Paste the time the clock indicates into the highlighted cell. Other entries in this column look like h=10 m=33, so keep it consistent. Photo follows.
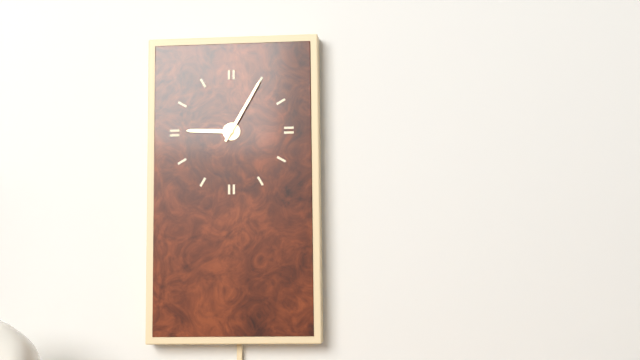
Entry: h=9 m=5
